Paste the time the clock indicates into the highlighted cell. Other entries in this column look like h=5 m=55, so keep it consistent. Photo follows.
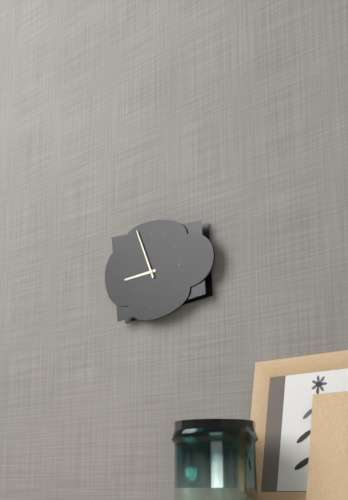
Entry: h=8 m=56
